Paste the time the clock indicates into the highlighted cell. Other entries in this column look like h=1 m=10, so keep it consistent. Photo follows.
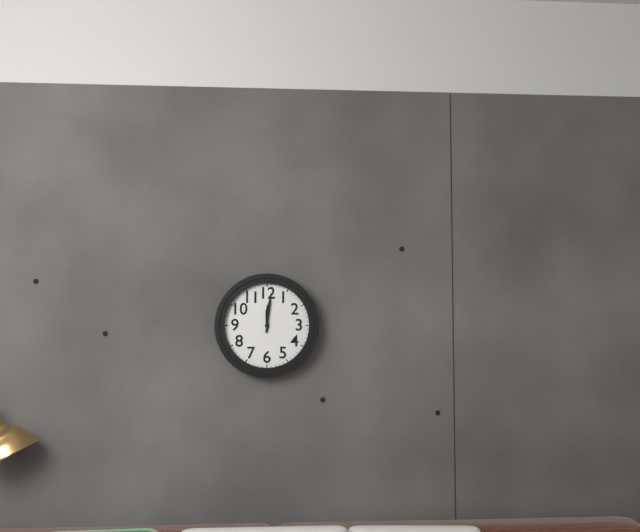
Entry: h=12 m=1
